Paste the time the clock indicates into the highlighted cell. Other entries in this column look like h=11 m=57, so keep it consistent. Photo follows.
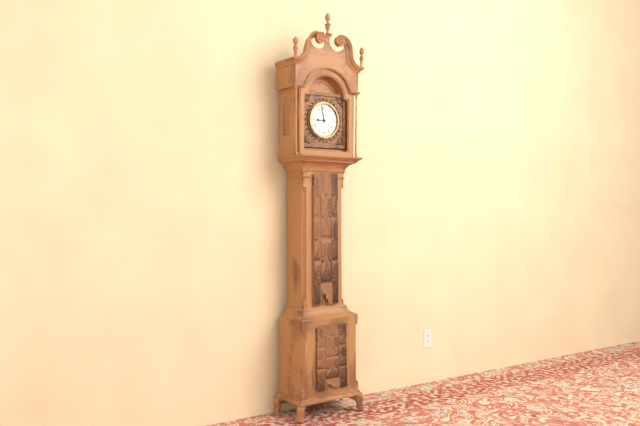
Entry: h=8 m=58
